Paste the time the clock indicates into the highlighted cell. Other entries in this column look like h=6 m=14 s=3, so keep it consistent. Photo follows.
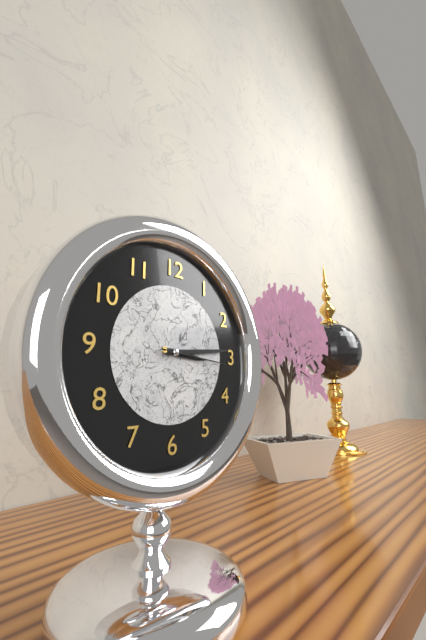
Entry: h=3 m=14 s=16
